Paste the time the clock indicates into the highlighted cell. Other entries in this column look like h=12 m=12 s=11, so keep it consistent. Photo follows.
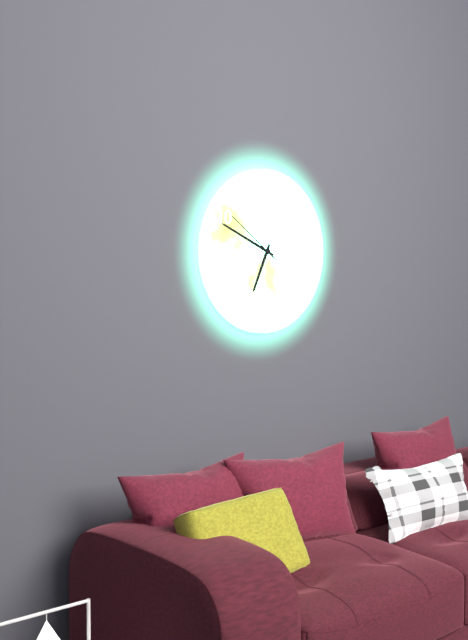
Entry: h=6 m=49 s=51
